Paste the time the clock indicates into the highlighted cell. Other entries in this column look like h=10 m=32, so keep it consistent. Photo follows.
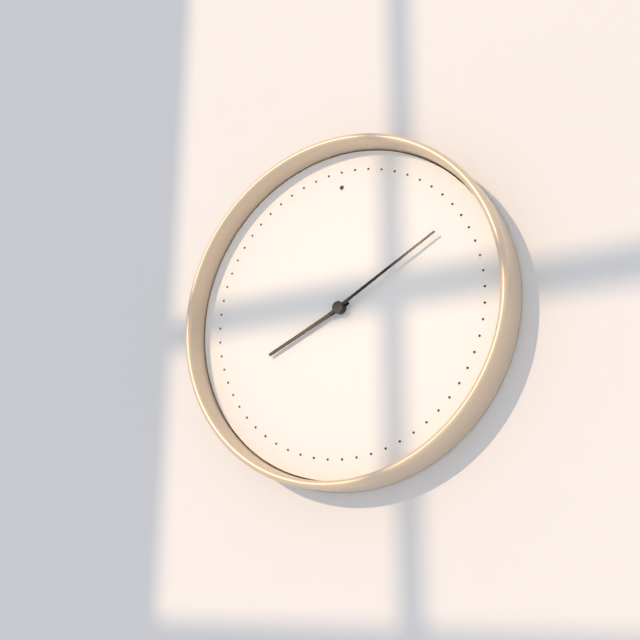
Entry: h=8 m=10
